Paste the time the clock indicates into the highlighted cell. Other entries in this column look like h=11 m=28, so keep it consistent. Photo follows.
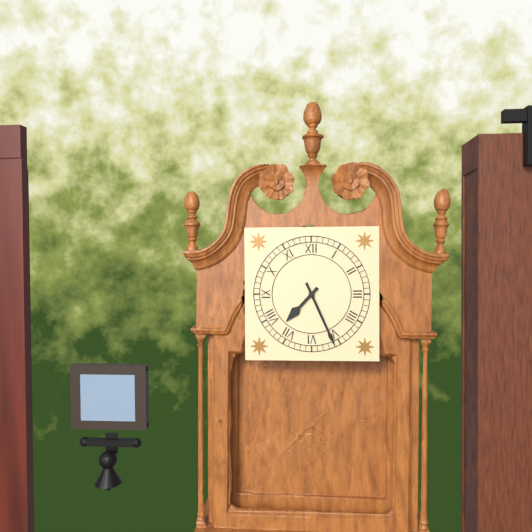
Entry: h=7 m=26
